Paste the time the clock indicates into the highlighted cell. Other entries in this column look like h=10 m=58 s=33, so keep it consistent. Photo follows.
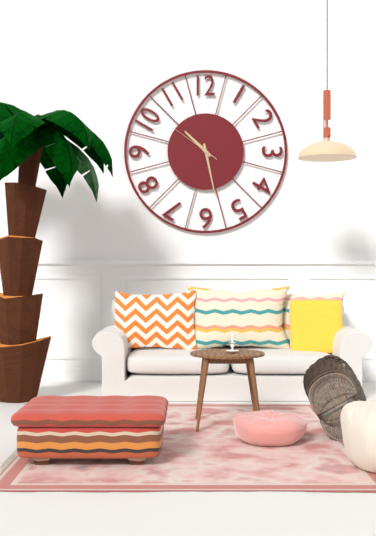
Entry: h=10 m=28 s=51
